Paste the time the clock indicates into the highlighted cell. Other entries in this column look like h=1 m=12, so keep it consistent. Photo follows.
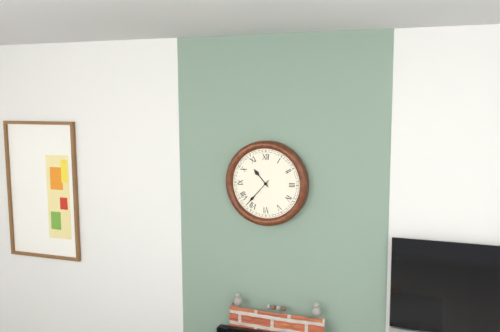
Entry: h=10 m=37
